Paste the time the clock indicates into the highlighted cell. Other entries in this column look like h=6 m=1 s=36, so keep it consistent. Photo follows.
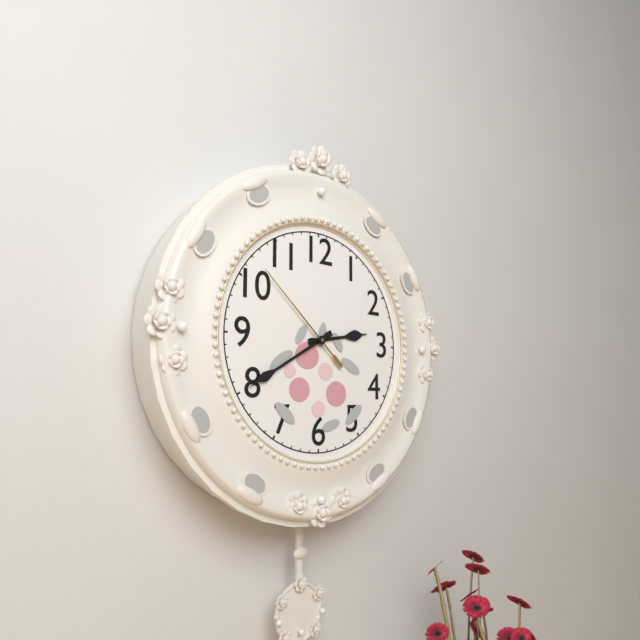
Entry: h=2 m=40 s=52
